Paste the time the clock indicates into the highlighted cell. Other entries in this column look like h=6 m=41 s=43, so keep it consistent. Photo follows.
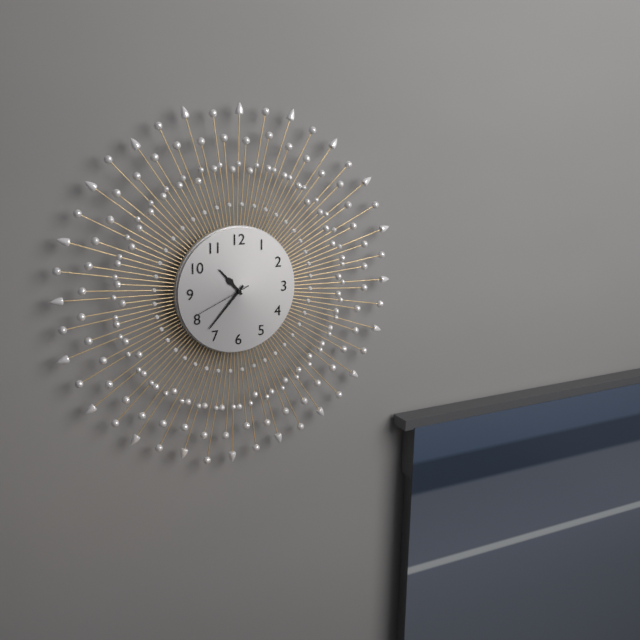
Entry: h=10 m=37 s=41
